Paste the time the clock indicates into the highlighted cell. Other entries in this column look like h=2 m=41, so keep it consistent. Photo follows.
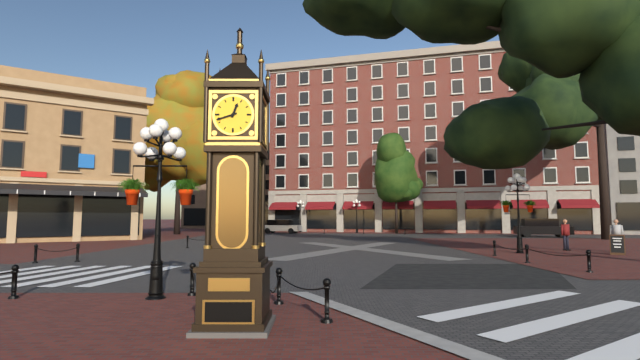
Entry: h=12 m=42
